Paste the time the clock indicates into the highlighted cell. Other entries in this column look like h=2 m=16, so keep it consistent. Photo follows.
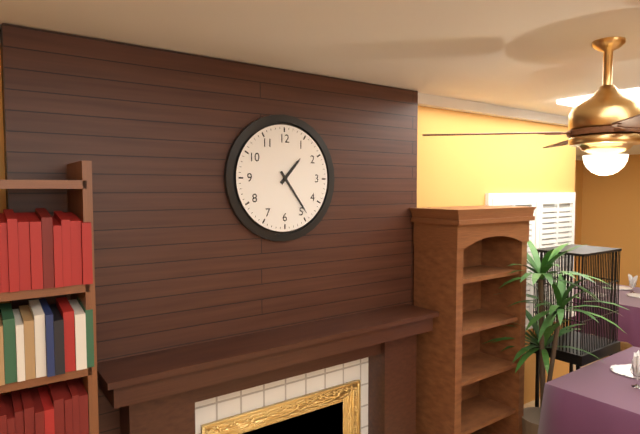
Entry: h=1 m=24
